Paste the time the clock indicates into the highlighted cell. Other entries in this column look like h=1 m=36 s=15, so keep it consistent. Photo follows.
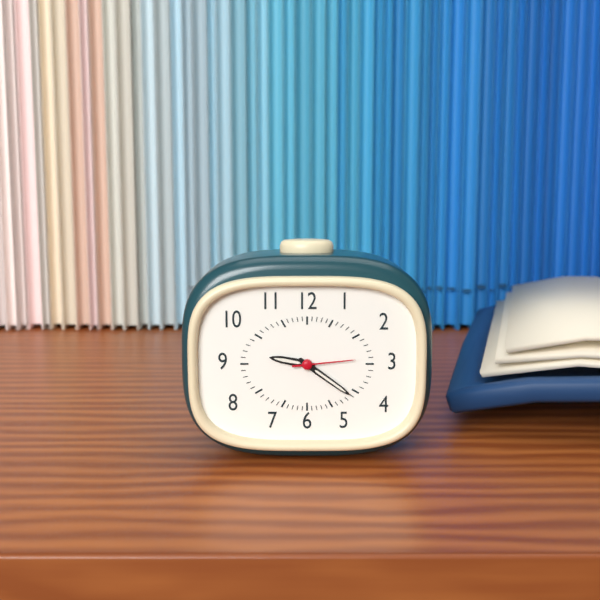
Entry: h=9 m=21 s=14
